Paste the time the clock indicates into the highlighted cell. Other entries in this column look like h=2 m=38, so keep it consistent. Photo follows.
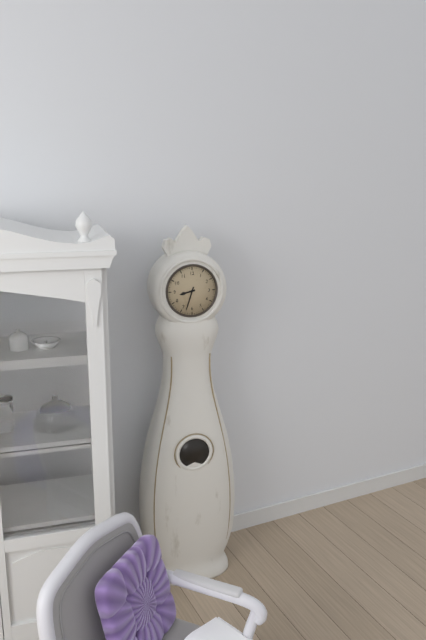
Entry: h=8 m=33
